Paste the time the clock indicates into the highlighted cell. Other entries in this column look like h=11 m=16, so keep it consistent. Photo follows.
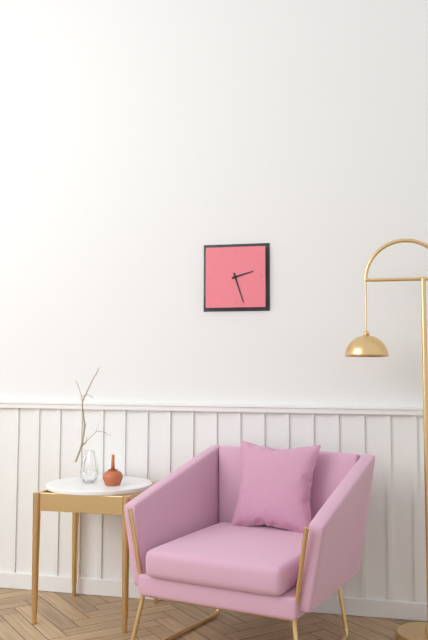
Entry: h=2 m=27
